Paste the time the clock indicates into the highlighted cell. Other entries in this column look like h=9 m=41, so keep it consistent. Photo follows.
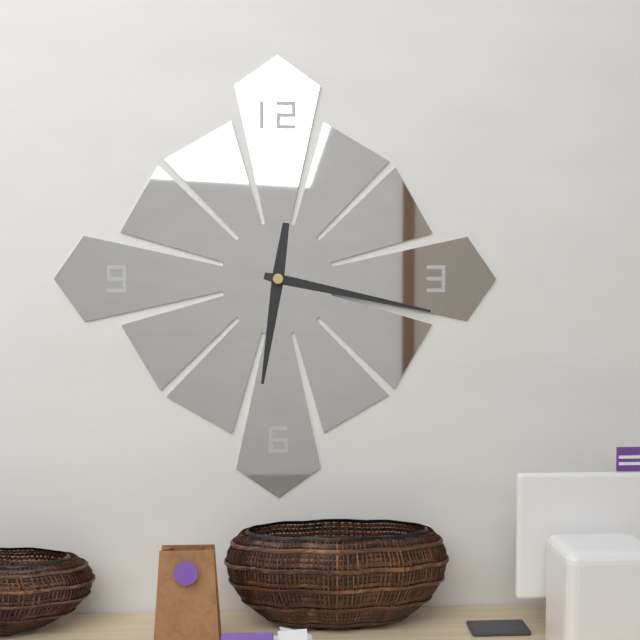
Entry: h=6 m=17
